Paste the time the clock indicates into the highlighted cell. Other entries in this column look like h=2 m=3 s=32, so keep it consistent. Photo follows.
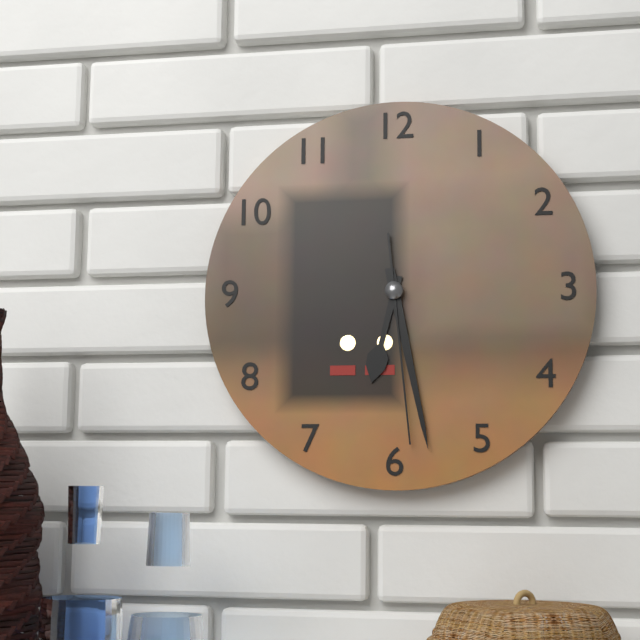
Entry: h=6 m=28 s=29
